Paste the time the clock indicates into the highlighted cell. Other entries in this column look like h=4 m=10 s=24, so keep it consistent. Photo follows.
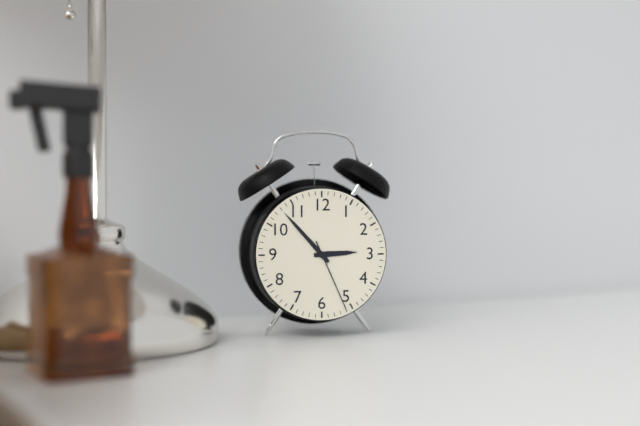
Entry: h=2 m=53 s=26
